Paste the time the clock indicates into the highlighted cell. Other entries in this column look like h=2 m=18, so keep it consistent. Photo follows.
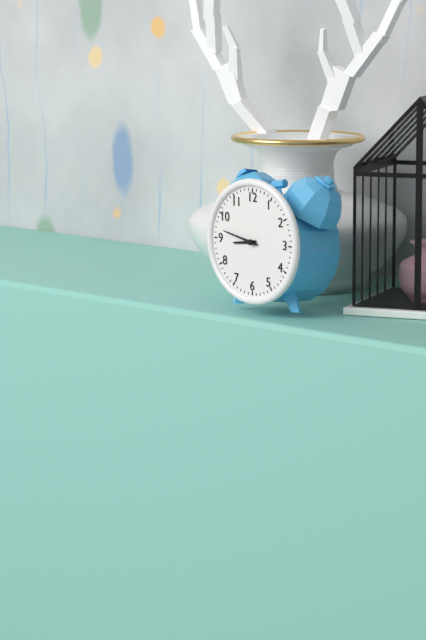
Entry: h=8 m=47
